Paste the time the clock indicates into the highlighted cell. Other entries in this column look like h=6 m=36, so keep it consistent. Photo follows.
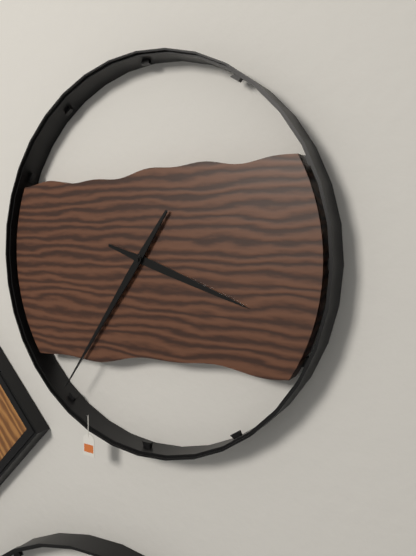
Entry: h=3 m=36
